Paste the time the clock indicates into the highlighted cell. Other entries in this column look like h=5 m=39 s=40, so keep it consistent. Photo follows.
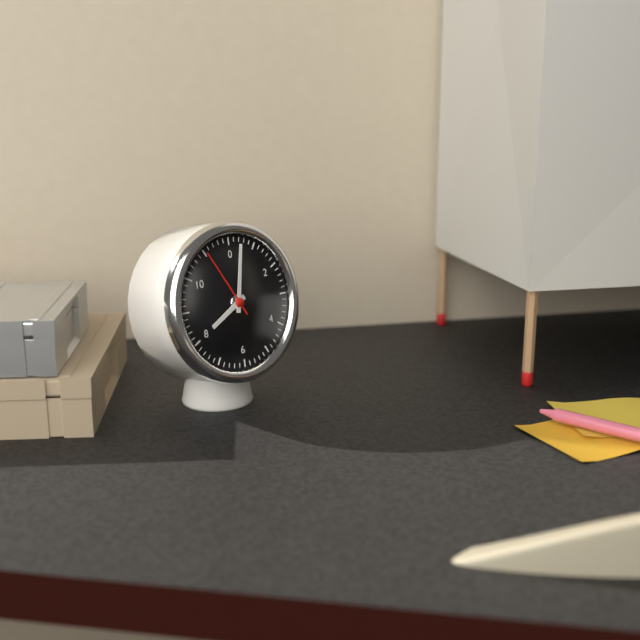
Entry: h=8 m=2 s=55
